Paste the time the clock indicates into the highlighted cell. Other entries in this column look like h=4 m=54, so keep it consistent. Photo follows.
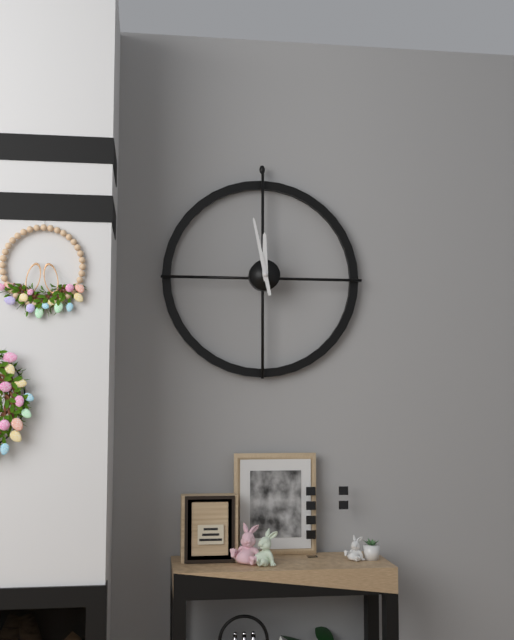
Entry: h=11 m=58
